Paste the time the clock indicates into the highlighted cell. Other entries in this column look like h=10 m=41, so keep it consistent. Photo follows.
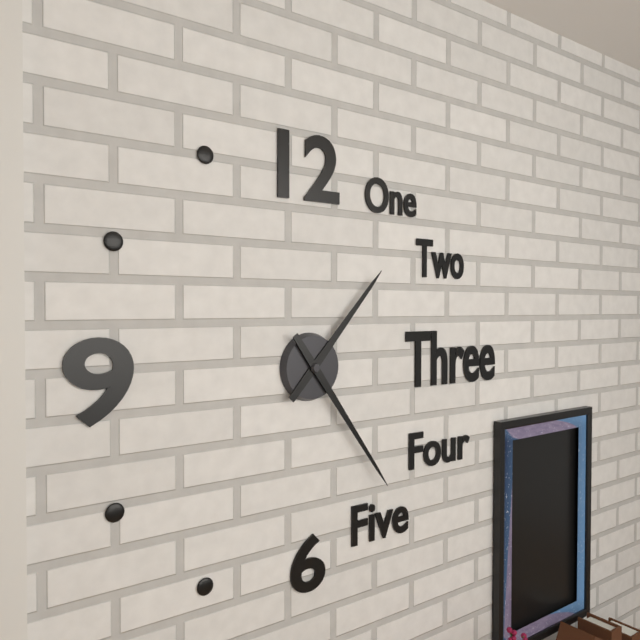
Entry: h=1 m=24
